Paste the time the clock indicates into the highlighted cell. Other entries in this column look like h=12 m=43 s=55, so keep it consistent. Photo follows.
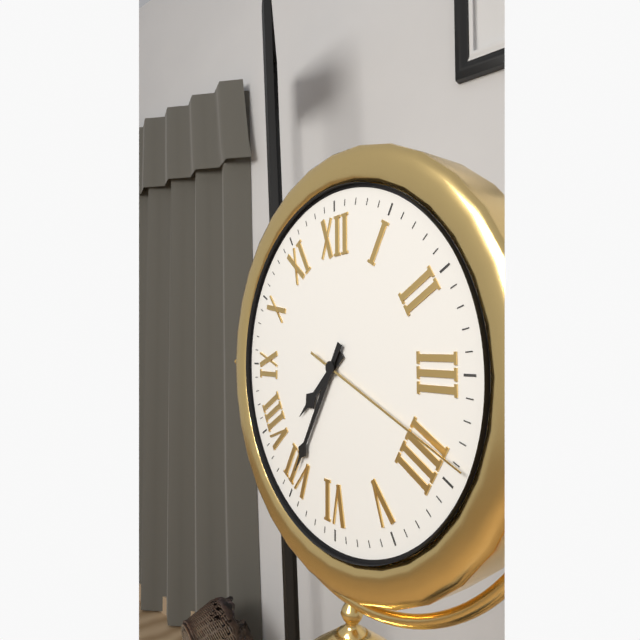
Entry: h=7 m=35 s=19
